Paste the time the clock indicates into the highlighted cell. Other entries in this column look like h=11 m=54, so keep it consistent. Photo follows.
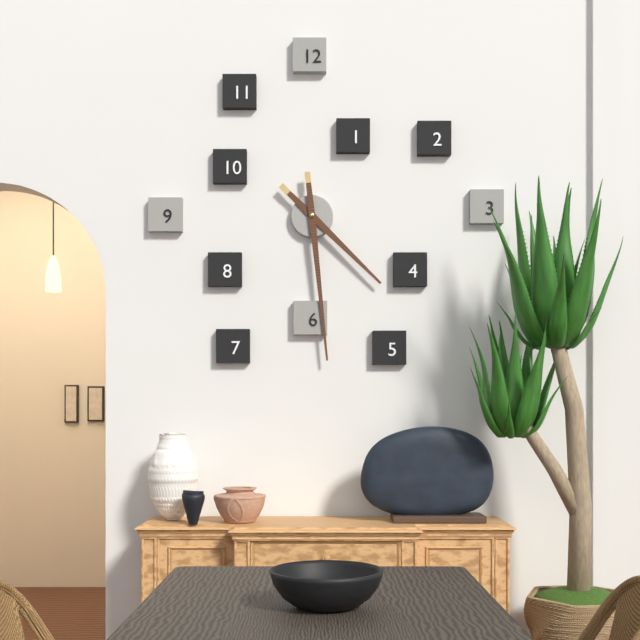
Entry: h=4 m=29
